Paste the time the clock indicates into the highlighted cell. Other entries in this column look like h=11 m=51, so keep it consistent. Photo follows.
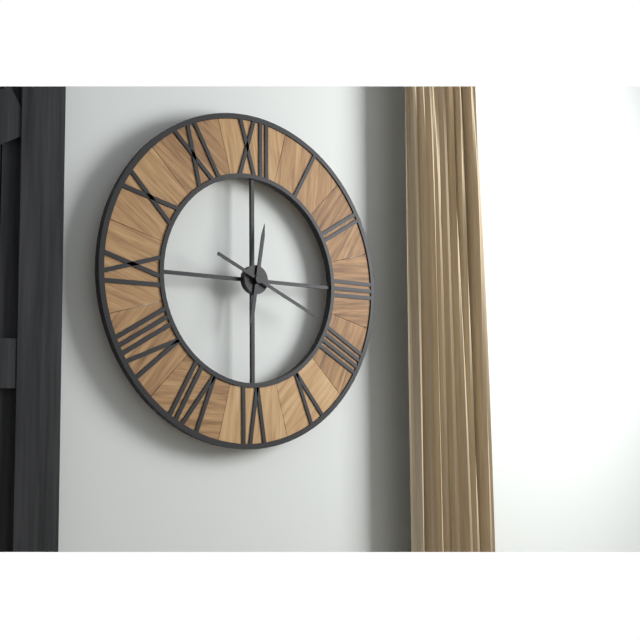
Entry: h=12 m=19
